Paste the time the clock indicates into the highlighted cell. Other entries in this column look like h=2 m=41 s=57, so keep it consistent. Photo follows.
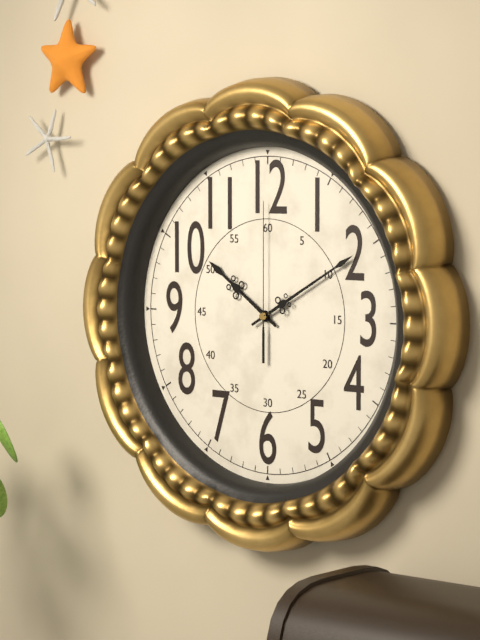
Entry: h=10 m=10 s=0
